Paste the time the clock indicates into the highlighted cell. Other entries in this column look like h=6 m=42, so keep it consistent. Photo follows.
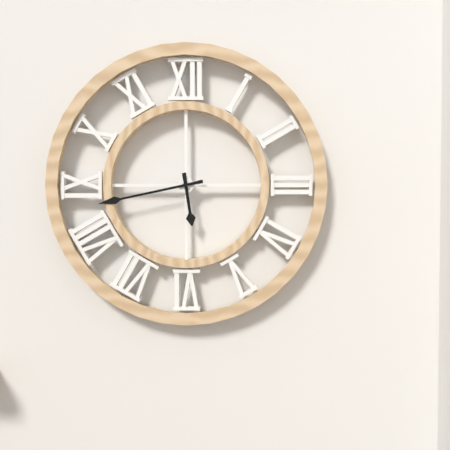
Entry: h=5 m=43
